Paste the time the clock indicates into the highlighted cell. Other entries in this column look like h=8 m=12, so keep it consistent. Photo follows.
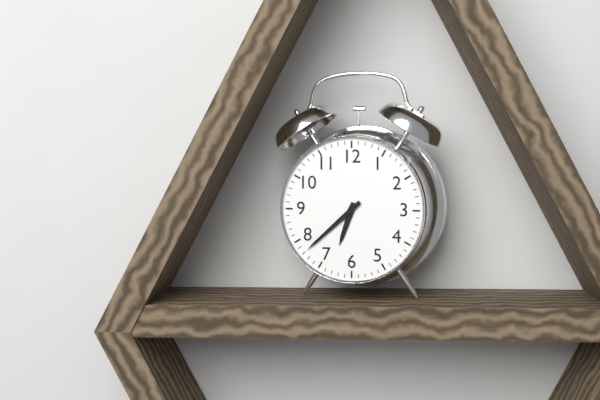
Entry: h=6 m=38
